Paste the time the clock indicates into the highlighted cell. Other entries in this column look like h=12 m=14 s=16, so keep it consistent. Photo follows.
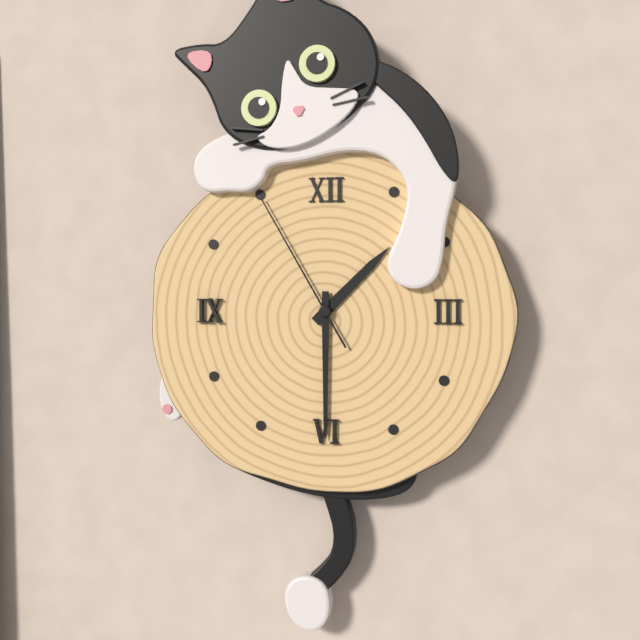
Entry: h=1 m=30 s=55
